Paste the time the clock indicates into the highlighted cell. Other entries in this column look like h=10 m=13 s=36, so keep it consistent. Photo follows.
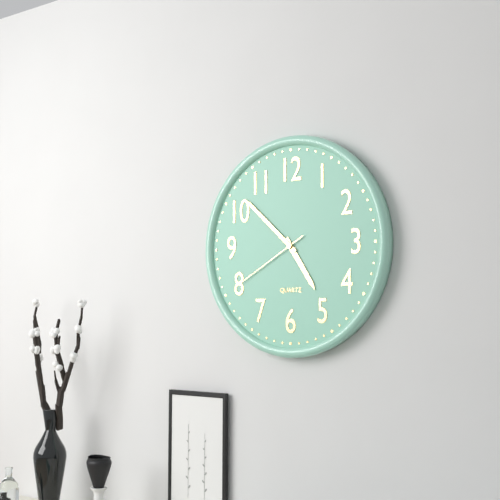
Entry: h=4 m=52 s=40
